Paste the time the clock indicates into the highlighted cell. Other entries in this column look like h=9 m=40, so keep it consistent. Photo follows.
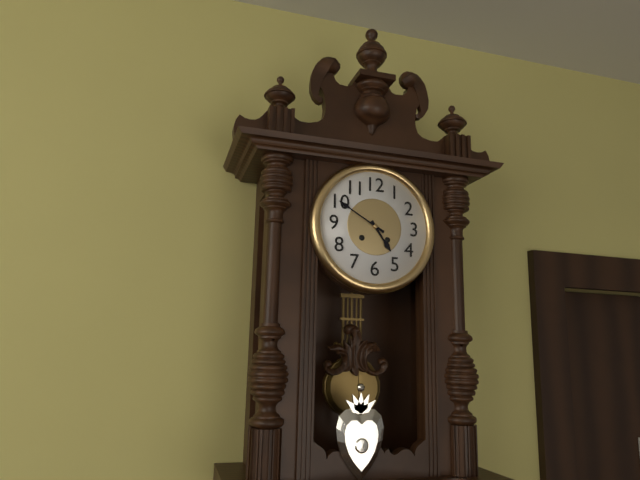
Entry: h=4 m=50
